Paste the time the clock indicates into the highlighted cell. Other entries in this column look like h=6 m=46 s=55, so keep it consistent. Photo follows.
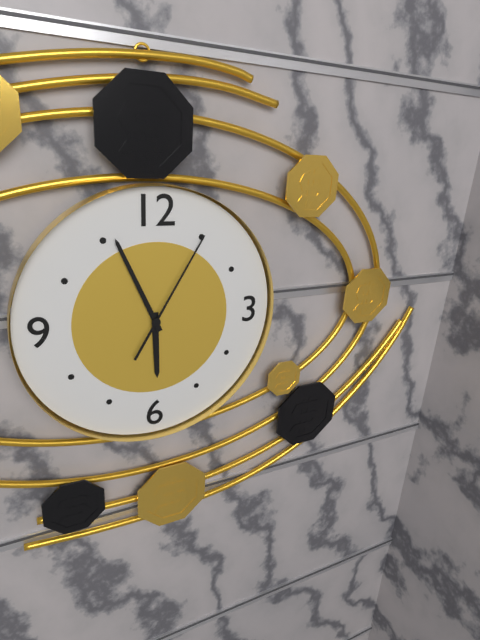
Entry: h=5 m=56 s=5
